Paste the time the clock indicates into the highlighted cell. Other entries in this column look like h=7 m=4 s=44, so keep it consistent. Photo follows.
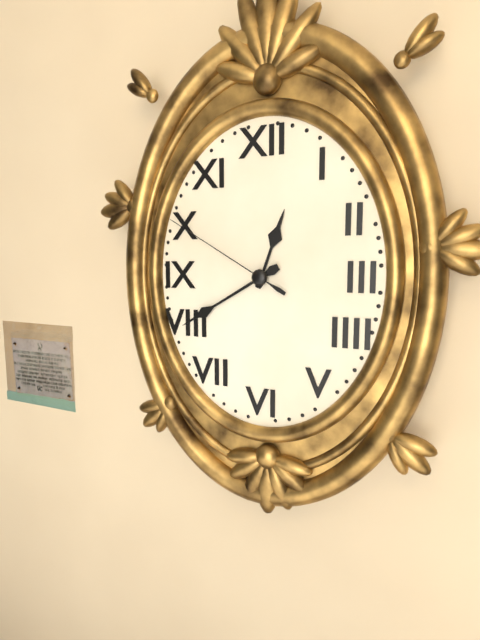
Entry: h=12 m=40 s=50
